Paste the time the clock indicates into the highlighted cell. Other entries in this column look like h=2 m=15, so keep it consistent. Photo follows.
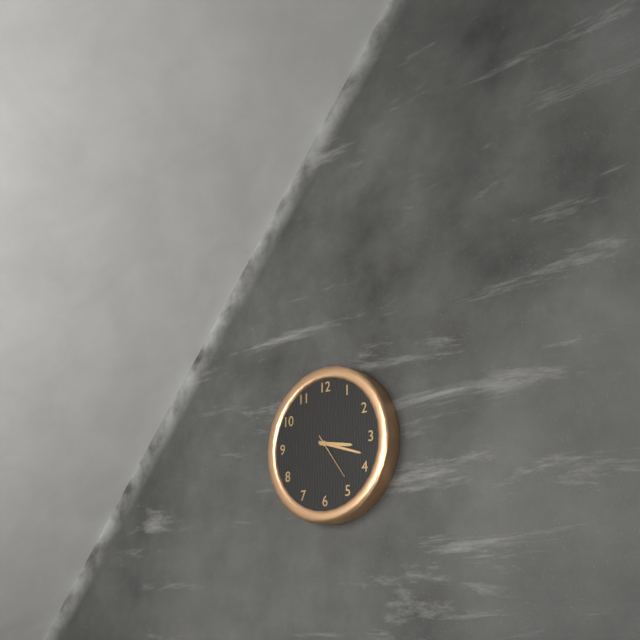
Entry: h=3 m=18
